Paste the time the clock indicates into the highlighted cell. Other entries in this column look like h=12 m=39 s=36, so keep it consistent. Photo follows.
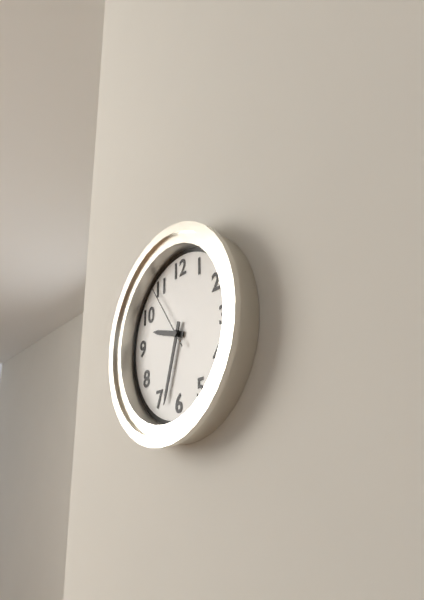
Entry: h=9 m=33 s=54
